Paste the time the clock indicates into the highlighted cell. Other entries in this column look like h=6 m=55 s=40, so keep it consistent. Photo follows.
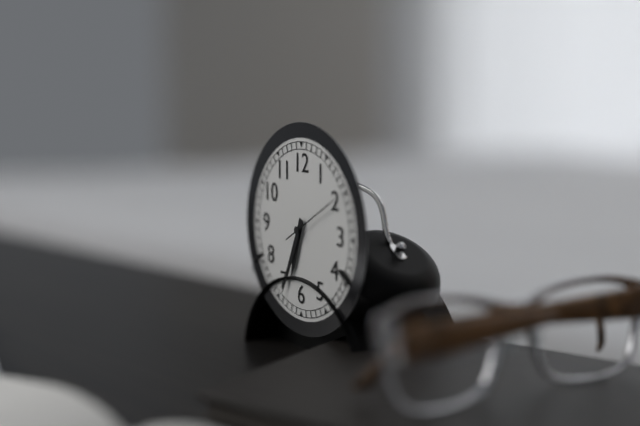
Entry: h=6 m=34 s=10
